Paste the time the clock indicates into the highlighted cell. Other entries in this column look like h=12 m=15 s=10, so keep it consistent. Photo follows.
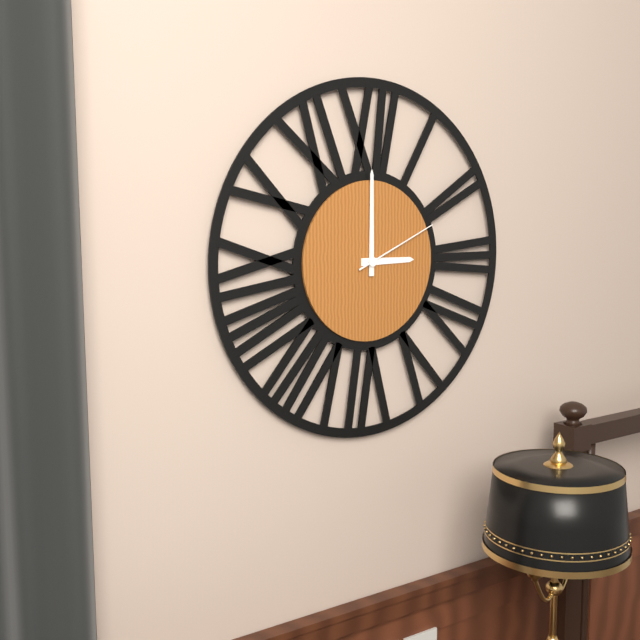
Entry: h=3 m=0 s=11
